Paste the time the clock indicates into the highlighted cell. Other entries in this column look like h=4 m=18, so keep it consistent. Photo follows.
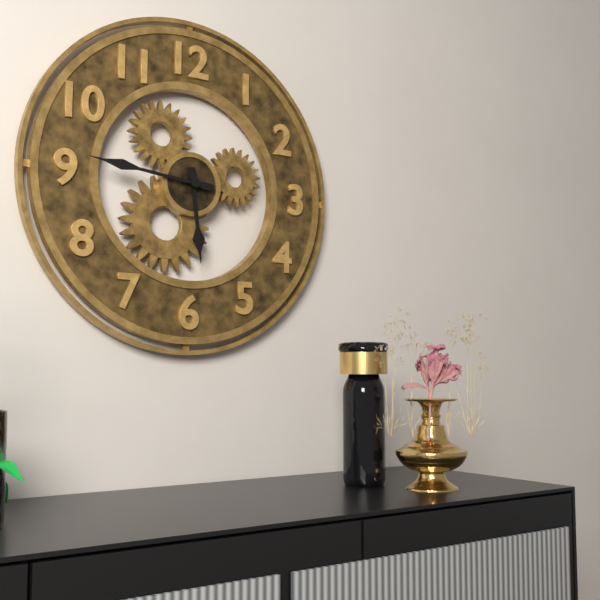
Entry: h=5 m=46
